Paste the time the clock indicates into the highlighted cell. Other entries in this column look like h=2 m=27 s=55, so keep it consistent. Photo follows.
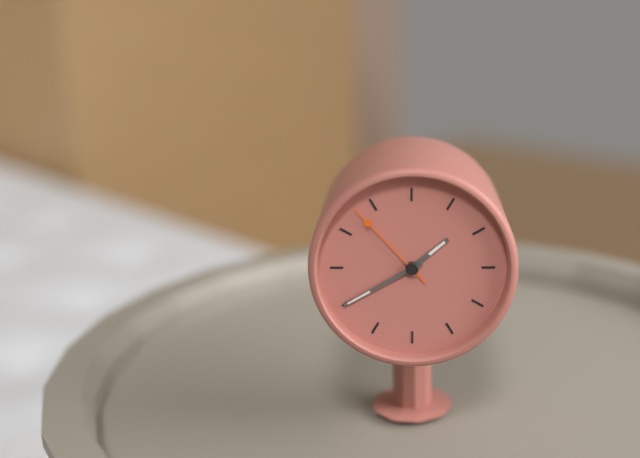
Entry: h=1 m=40 s=53
